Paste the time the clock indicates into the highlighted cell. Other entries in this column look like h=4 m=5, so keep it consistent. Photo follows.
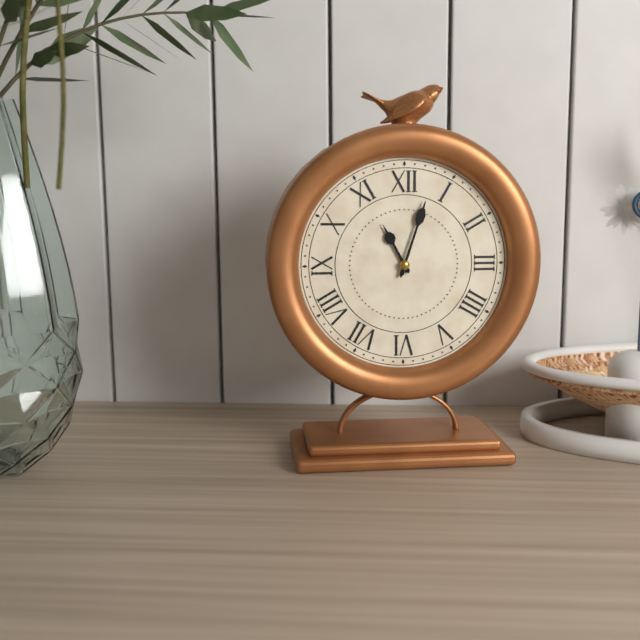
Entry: h=11 m=3
